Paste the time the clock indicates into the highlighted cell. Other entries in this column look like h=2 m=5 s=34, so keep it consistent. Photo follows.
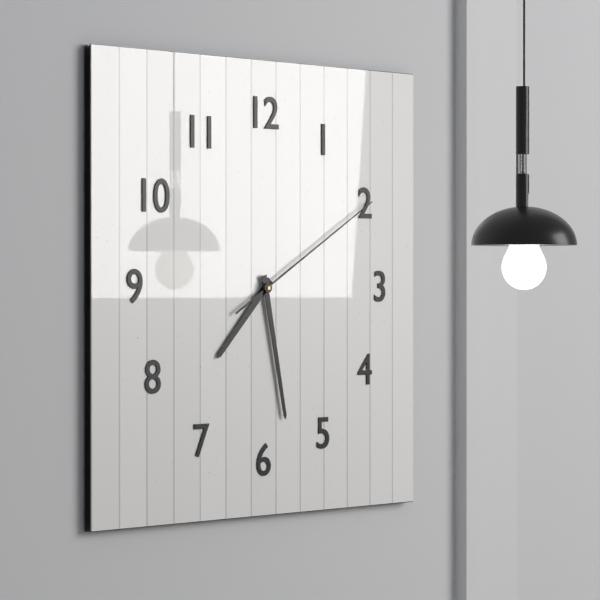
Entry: h=7 m=28 s=10
